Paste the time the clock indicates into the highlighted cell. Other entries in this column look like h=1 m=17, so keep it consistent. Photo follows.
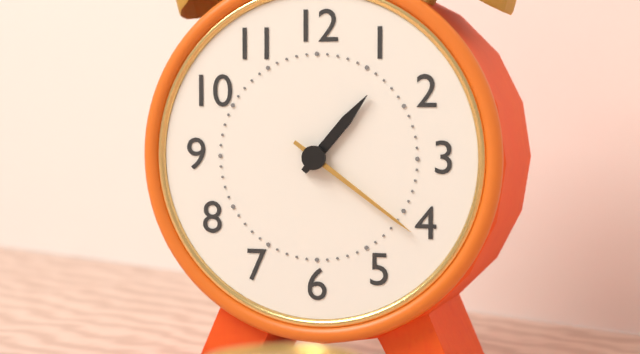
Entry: h=1 m=21
